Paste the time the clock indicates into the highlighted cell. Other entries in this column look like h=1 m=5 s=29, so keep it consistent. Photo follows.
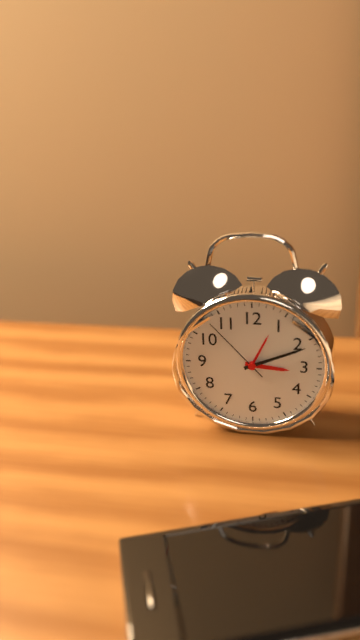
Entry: h=3 m=11 s=53
